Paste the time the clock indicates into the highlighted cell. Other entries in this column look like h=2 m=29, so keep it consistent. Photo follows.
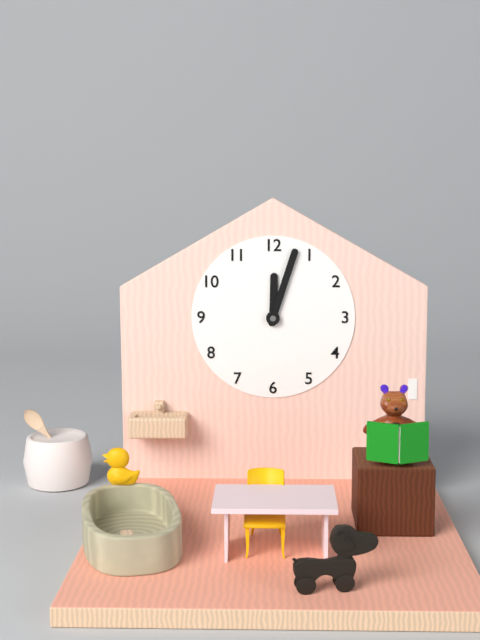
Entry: h=12 m=3
